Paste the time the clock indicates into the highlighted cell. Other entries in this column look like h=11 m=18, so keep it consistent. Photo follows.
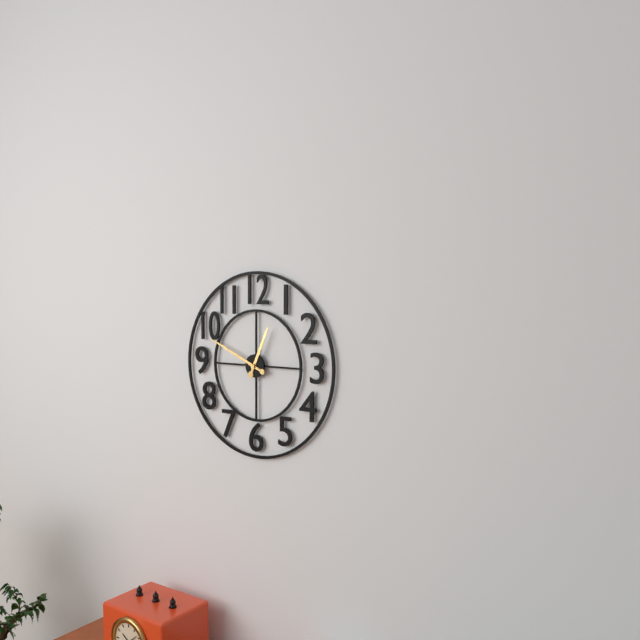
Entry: h=12 m=49
